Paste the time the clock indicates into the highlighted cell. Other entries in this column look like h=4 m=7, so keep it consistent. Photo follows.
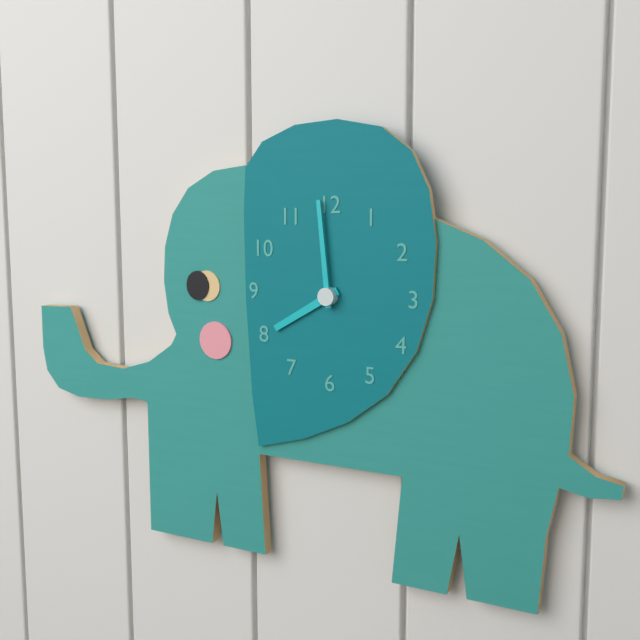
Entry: h=7 m=59
